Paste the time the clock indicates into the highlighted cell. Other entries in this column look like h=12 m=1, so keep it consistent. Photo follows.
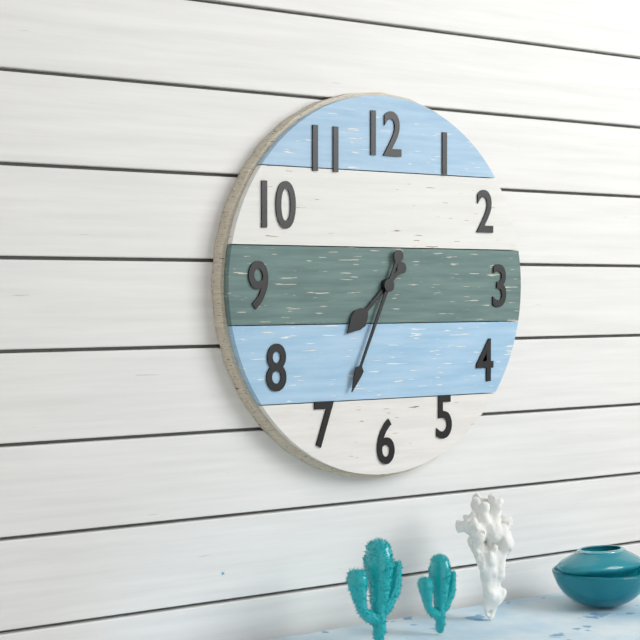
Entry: h=7 m=34
